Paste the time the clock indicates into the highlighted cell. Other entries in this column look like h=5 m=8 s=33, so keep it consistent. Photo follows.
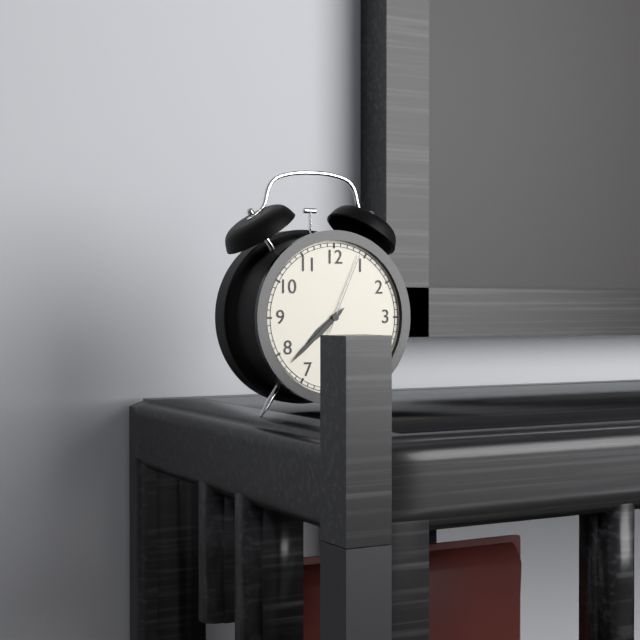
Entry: h=7 m=38 s=4
